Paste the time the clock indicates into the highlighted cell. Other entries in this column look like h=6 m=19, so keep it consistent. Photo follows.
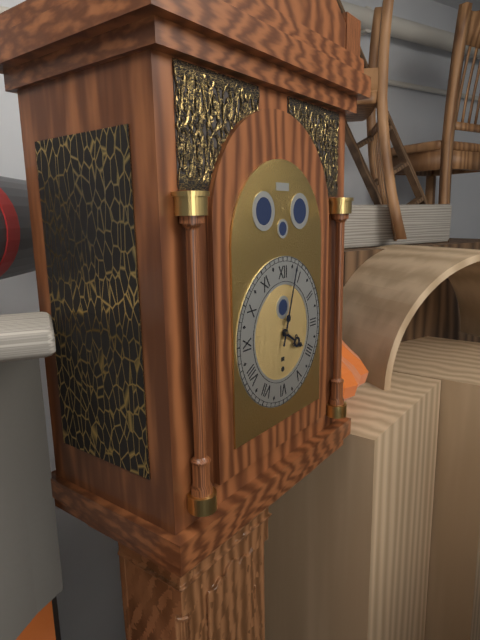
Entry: h=4 m=3
